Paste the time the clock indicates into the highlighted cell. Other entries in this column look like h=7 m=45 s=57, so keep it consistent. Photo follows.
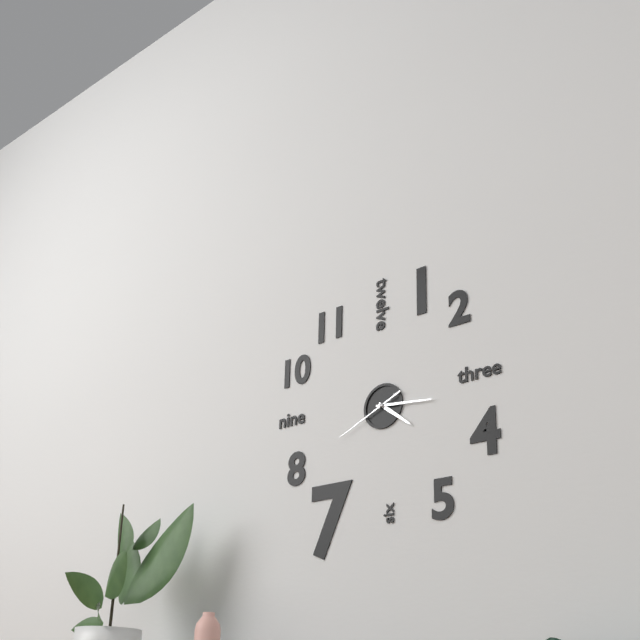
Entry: h=4 m=16 s=41
